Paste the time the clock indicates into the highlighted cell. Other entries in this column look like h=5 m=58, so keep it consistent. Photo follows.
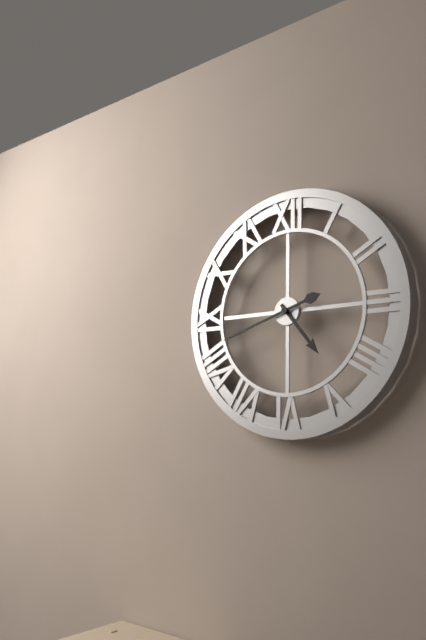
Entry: h=4 m=42
